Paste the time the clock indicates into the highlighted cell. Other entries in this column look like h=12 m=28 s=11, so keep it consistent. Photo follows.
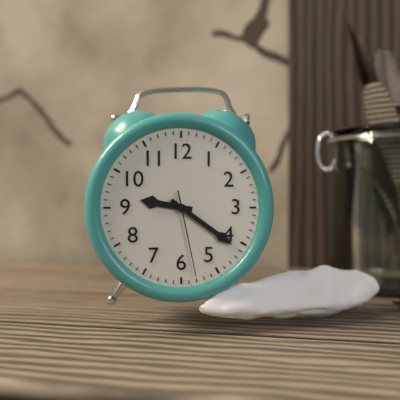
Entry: h=9 m=21 s=28
